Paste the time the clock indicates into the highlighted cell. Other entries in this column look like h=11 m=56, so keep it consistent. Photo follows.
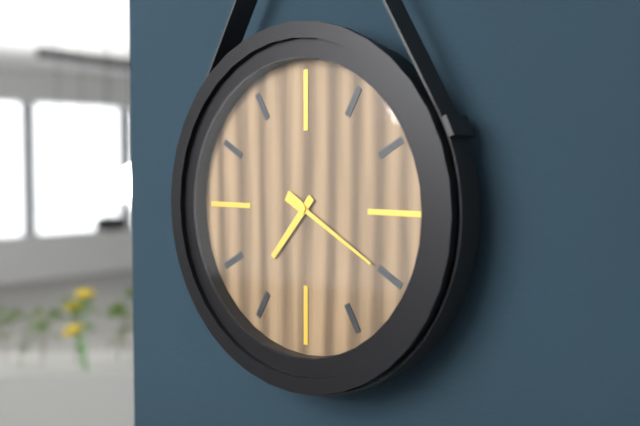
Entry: h=7 m=20
